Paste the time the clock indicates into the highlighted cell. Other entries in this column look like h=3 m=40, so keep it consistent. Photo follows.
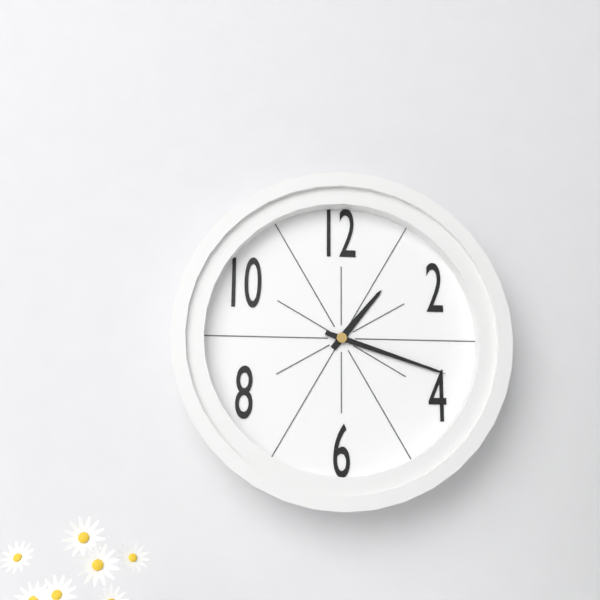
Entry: h=1 m=18
